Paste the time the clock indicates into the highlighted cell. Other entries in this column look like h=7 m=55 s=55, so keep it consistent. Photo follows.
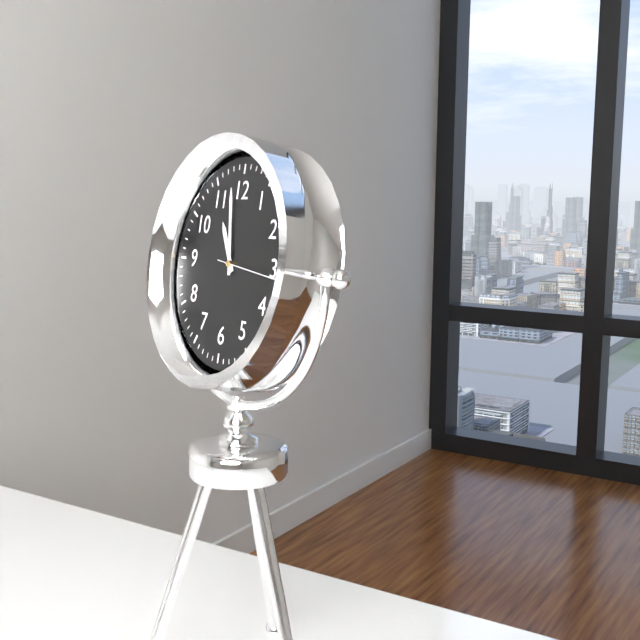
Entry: h=10 m=58 s=16
